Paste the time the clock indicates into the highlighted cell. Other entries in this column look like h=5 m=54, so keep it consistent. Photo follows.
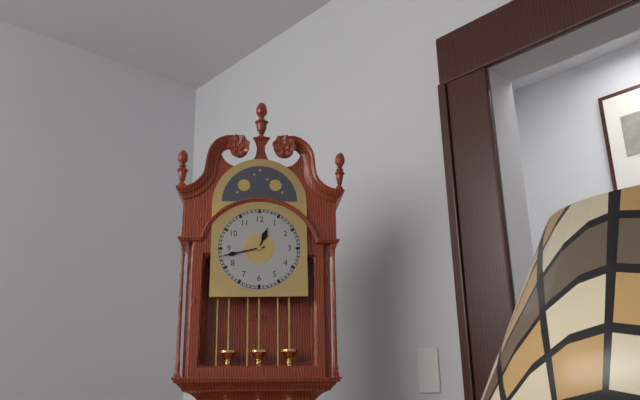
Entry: h=12 m=43
